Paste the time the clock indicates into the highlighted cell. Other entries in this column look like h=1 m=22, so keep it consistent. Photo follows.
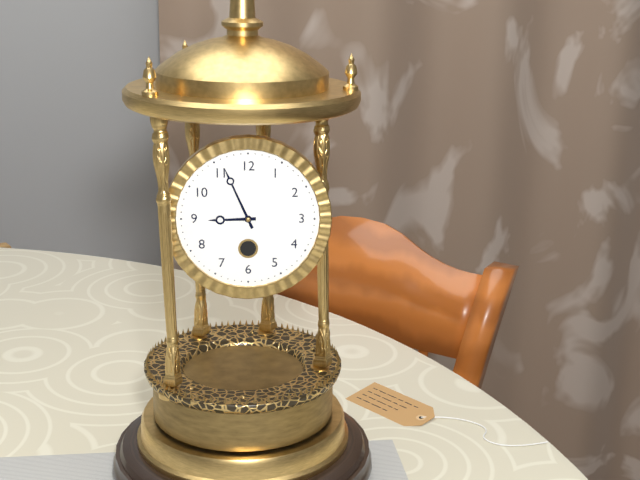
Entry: h=8 m=56
